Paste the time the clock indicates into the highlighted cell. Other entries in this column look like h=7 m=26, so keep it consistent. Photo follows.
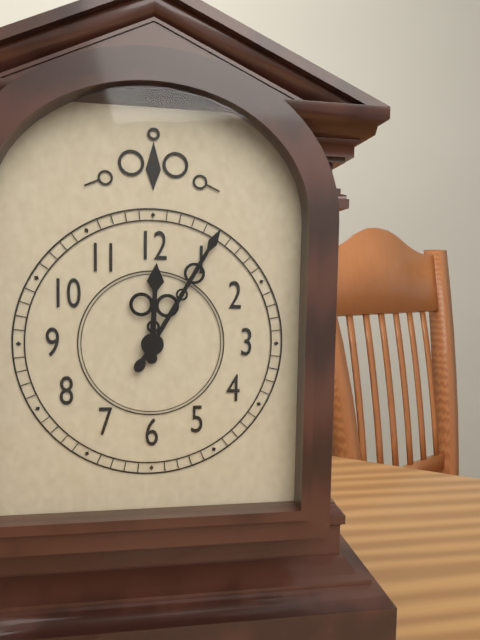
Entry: h=12 m=5
